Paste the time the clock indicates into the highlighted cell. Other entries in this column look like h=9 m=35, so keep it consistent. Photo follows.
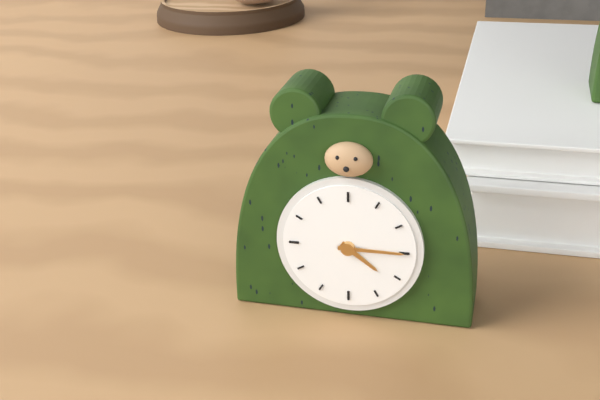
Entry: h=4 m=15
